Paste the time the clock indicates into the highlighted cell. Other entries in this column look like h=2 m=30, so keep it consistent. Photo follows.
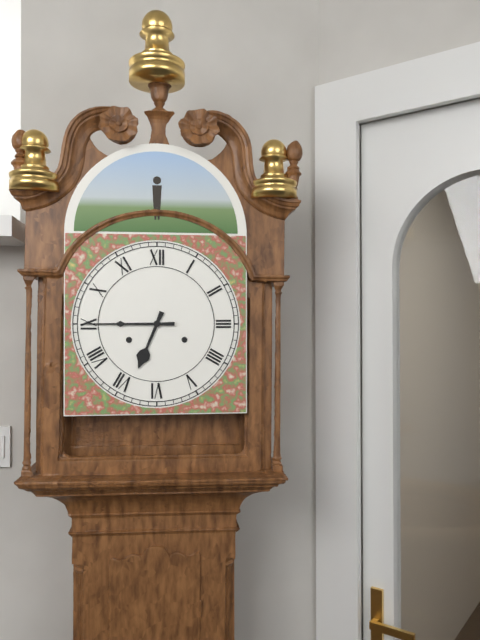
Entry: h=6 m=45
